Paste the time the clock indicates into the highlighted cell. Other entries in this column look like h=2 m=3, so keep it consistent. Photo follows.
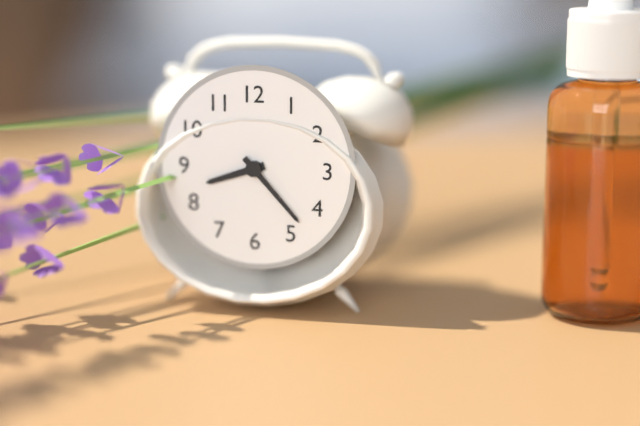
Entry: h=8 m=23
